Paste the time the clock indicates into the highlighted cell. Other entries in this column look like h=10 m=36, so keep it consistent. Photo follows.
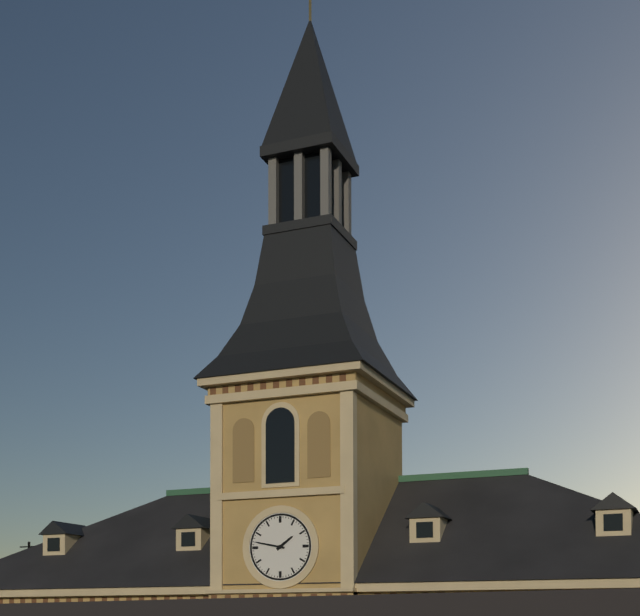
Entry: h=1 m=47
